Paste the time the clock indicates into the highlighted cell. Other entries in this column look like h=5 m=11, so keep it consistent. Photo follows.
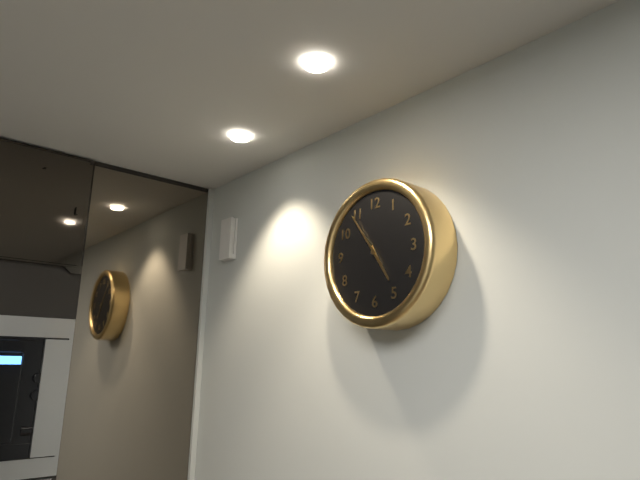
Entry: h=4 m=54
